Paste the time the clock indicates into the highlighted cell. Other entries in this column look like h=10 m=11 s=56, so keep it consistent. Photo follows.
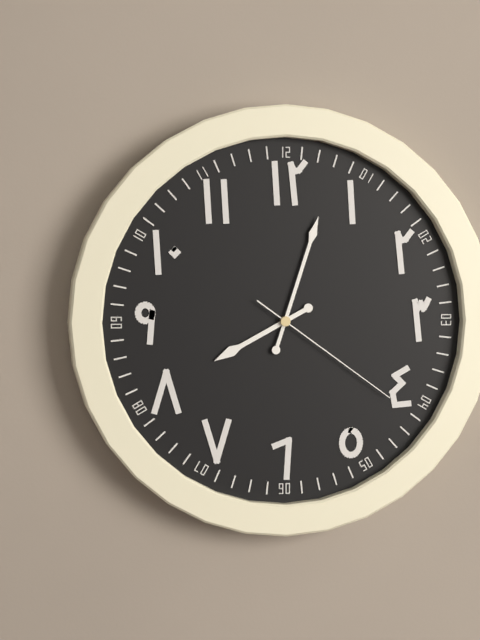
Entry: h=8 m=3 s=21
